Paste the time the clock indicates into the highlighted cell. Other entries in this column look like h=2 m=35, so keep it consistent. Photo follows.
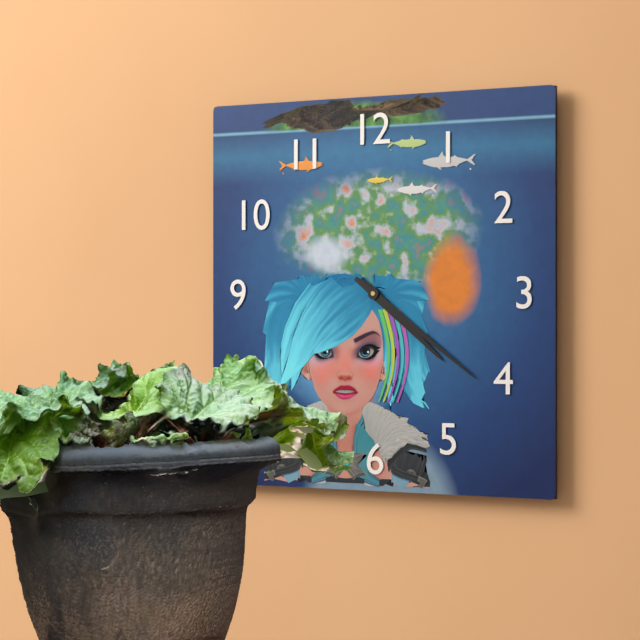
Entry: h=4 m=21
